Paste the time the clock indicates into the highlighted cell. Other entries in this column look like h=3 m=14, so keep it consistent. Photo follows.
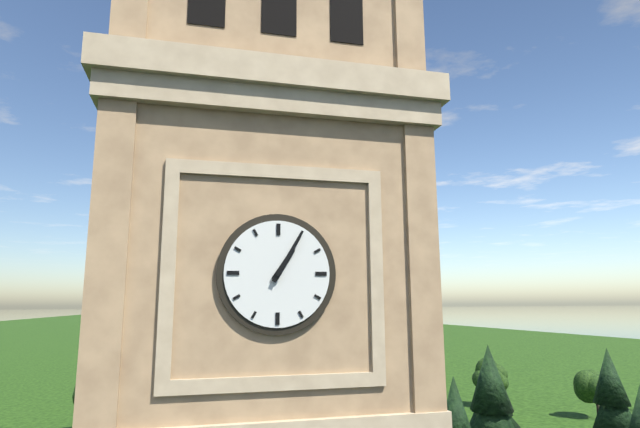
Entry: h=1 m=5
